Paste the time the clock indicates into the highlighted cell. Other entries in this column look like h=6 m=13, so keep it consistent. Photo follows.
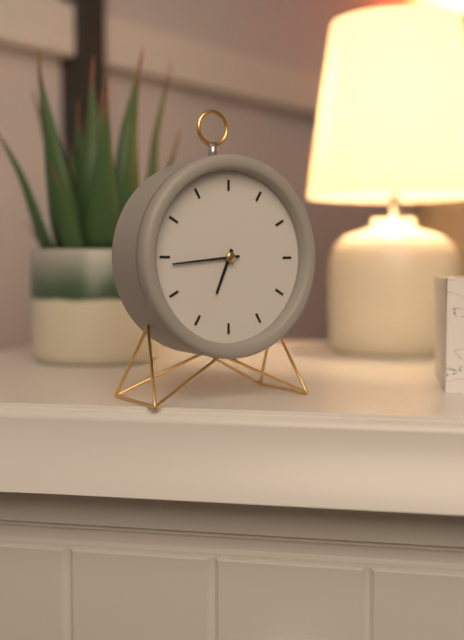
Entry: h=6 m=44
